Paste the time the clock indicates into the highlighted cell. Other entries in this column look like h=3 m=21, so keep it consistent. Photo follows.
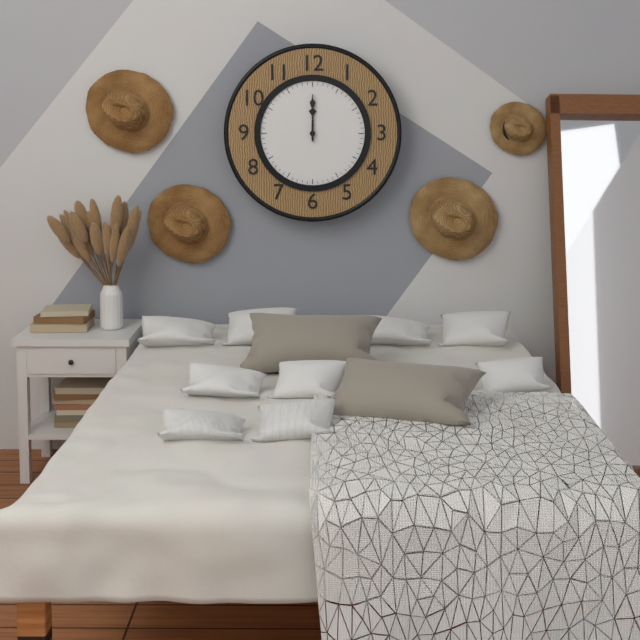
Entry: h=12 m=0
